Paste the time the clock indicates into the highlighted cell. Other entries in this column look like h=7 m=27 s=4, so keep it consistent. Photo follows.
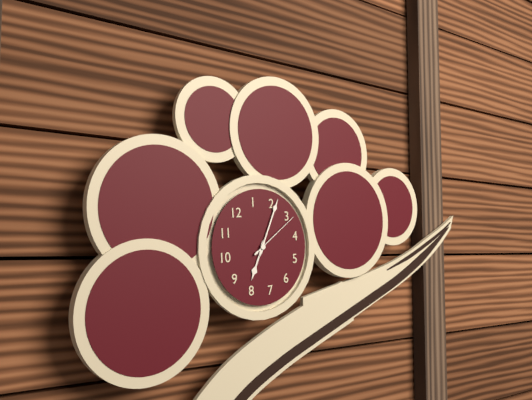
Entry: h=8 m=11 s=16
